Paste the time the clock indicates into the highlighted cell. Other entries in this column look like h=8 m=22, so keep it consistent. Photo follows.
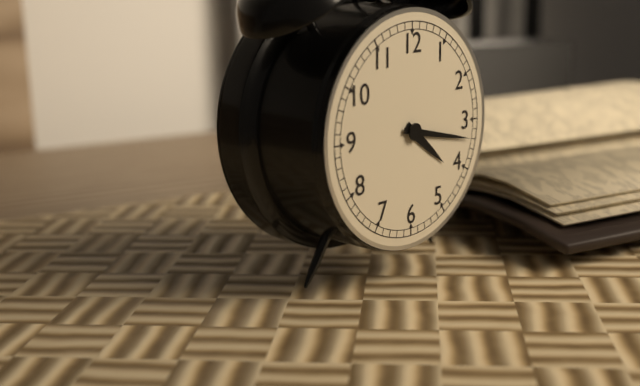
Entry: h=4 m=17
